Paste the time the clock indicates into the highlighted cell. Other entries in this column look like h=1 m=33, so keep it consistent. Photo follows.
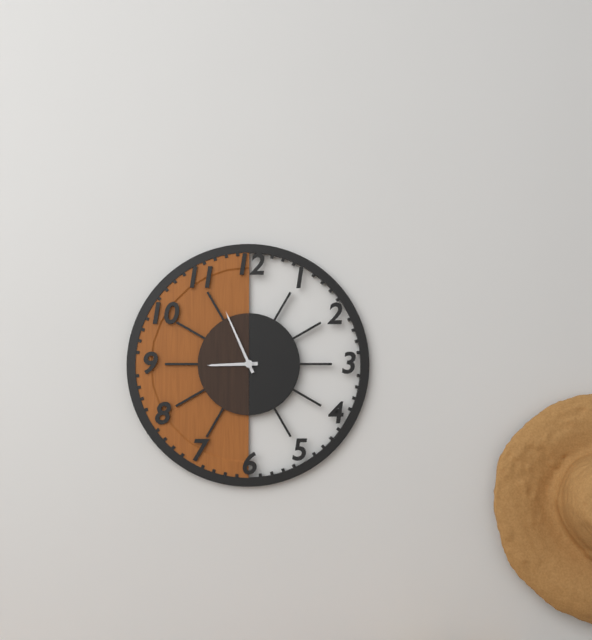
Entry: h=8 m=56
